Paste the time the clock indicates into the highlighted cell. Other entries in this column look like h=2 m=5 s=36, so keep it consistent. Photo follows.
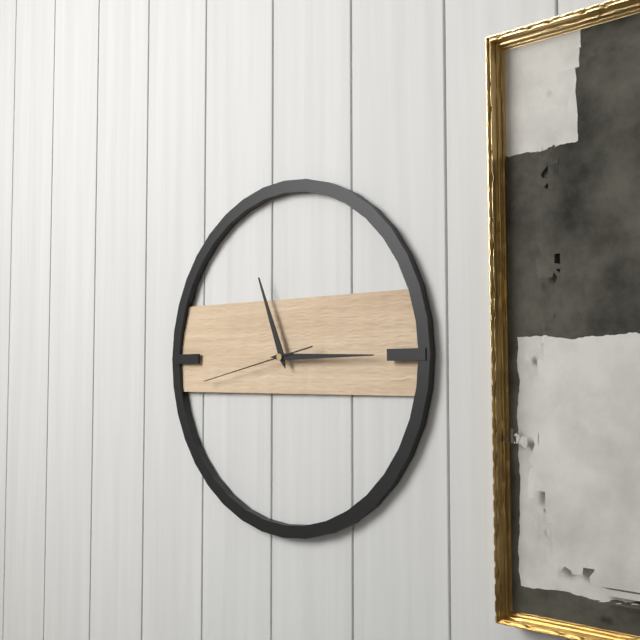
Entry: h=11 m=15 s=43
